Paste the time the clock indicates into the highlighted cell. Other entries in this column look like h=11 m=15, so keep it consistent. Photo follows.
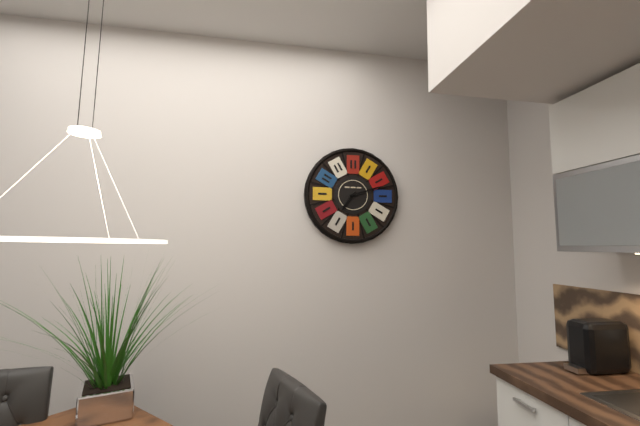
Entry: h=7 m=12
